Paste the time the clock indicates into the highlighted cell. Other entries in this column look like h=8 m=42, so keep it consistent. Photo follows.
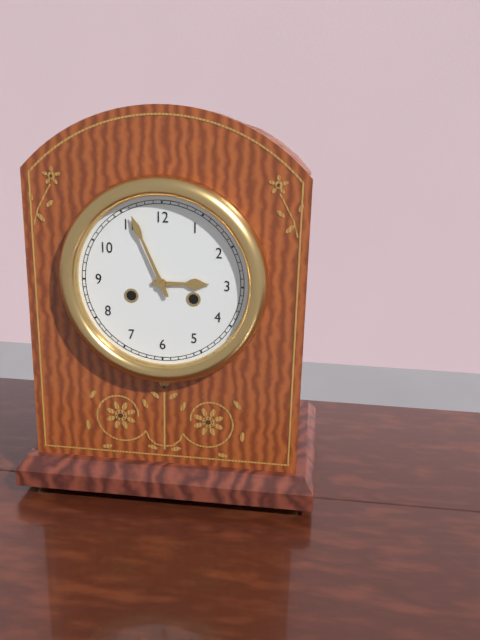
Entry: h=2 m=56
